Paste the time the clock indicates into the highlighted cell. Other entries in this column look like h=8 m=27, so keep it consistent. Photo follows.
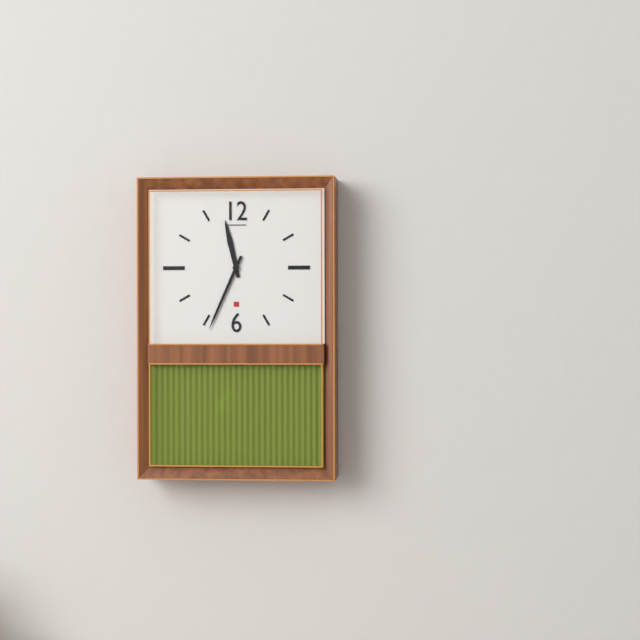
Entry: h=11 m=34
